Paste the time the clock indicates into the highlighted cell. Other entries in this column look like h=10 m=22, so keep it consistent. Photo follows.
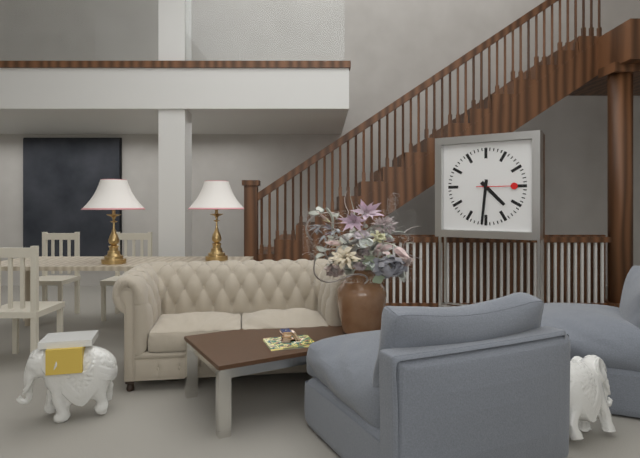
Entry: h=4 m=31
